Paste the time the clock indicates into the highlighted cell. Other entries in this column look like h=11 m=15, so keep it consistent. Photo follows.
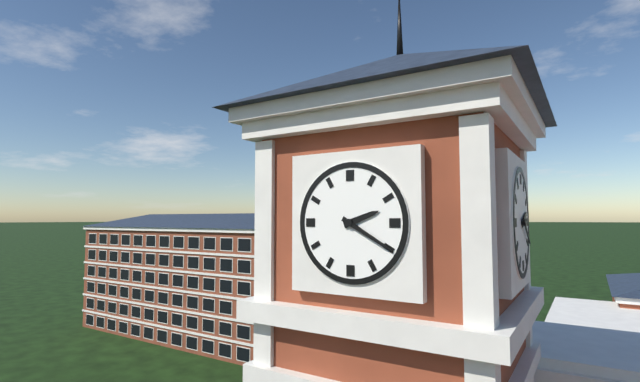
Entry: h=2 m=20
